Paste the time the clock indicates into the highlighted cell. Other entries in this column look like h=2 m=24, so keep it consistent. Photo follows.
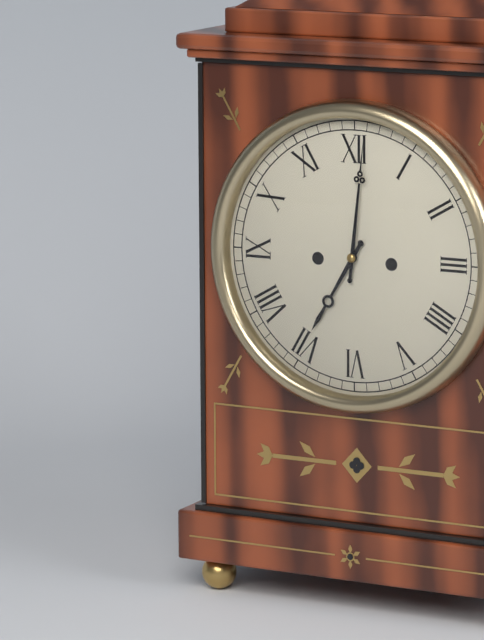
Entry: h=7 m=1
